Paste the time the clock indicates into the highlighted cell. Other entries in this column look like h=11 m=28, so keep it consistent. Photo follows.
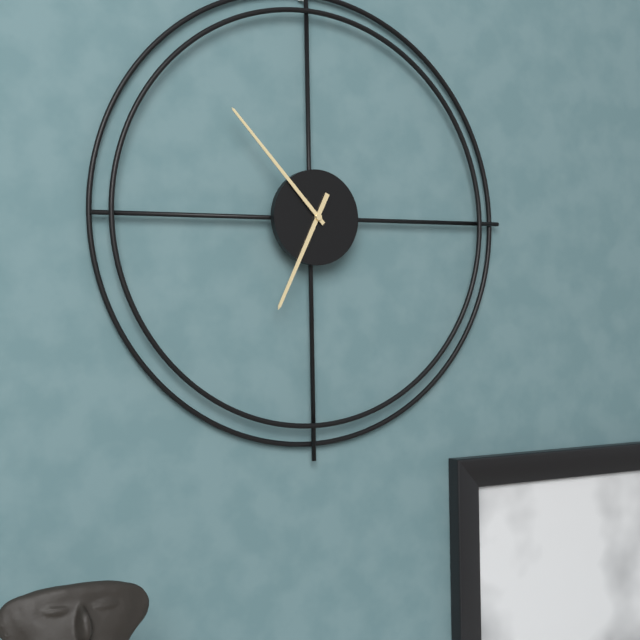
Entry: h=6 m=53
